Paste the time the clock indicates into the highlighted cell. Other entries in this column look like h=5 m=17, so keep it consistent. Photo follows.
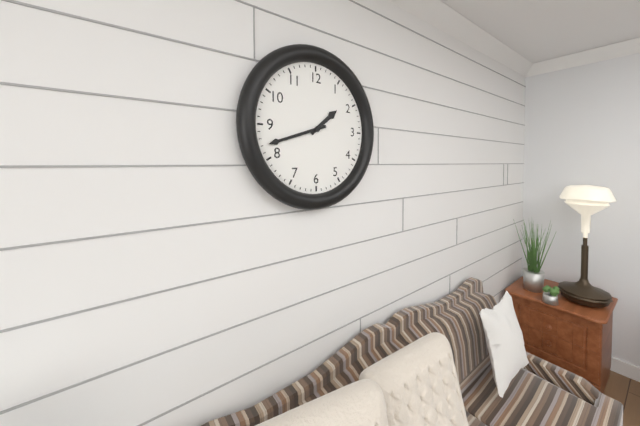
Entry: h=1 m=42
